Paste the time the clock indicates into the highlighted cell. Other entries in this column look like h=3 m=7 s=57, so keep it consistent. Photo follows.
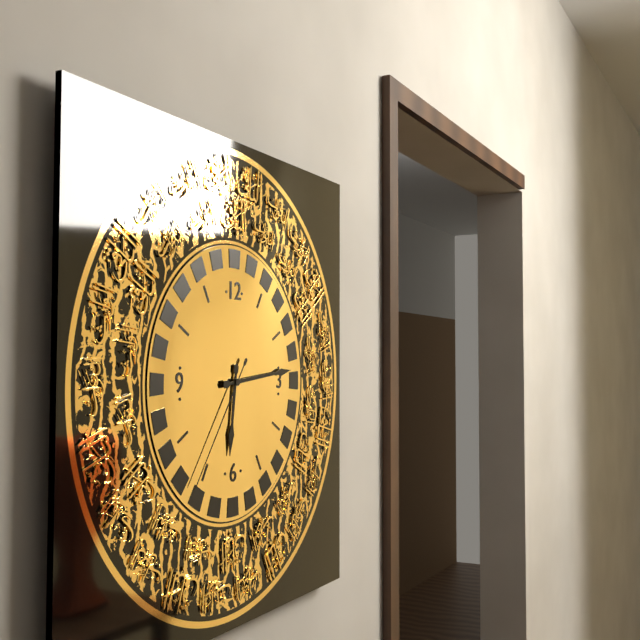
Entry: h=6 m=14 s=36
